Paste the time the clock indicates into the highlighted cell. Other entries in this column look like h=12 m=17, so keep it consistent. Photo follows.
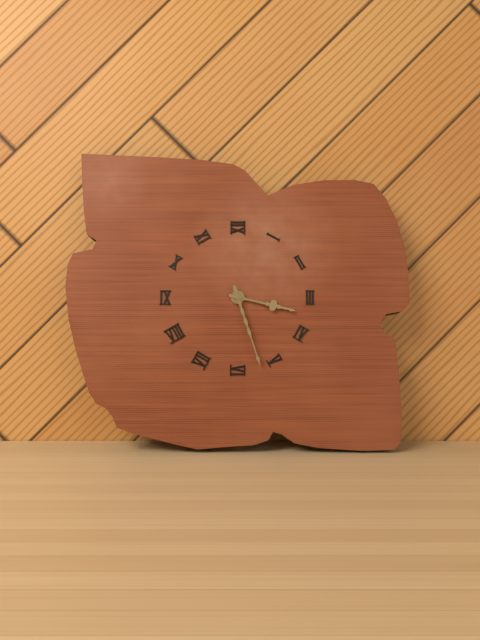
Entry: h=3 m=27
